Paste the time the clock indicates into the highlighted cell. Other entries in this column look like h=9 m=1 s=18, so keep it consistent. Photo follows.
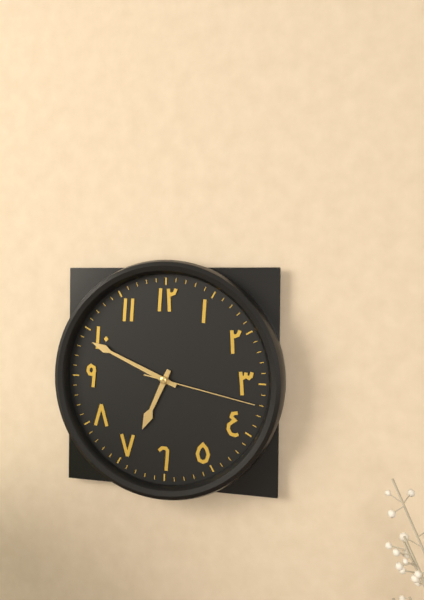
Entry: h=6 m=49 s=17
